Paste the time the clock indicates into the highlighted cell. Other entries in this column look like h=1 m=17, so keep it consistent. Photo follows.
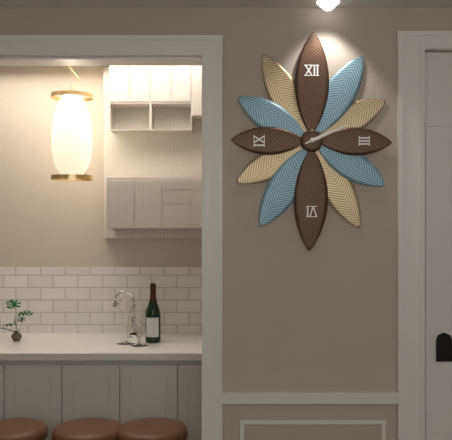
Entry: h=2 m=11
